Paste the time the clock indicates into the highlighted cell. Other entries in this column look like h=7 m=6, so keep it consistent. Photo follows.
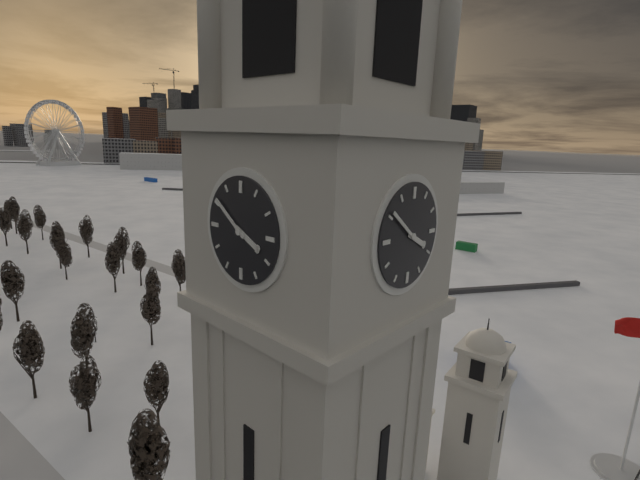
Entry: h=3 m=51
